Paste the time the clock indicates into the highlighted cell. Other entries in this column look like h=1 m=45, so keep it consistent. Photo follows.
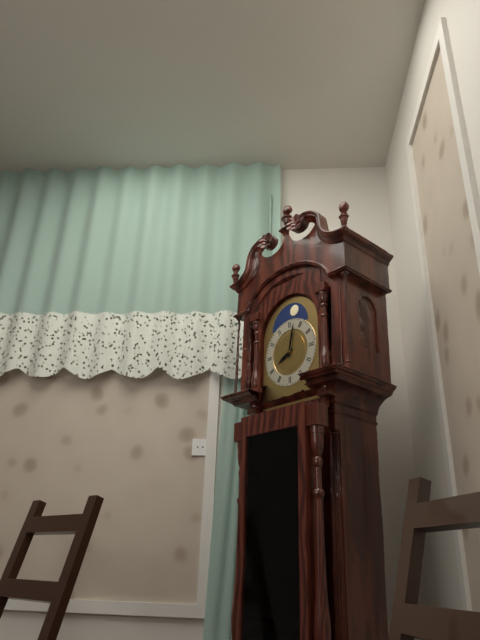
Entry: h=8 m=2
